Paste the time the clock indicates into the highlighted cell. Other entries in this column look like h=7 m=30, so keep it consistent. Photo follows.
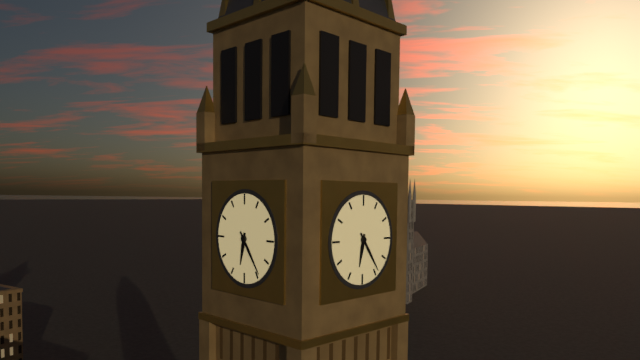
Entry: h=6 m=24
